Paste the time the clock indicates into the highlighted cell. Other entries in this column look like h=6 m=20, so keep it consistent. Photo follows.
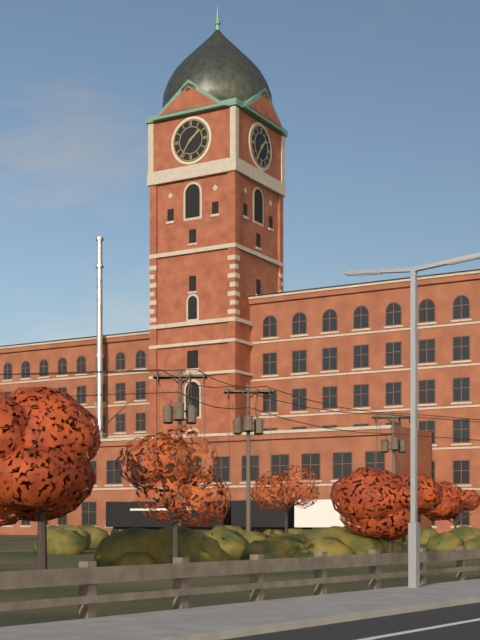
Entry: h=1 m=36
